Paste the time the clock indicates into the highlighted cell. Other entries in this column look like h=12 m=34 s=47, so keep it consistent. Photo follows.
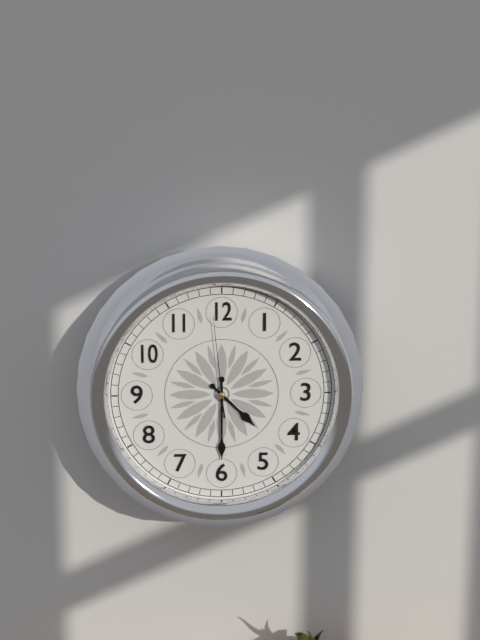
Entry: h=4 m=30 s=59
